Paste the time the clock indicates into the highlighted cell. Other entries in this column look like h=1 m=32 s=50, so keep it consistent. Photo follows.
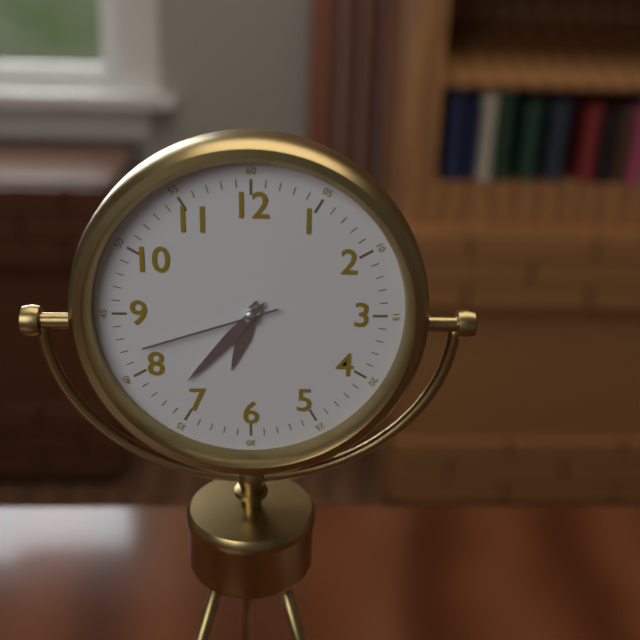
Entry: h=6 m=37 s=42
